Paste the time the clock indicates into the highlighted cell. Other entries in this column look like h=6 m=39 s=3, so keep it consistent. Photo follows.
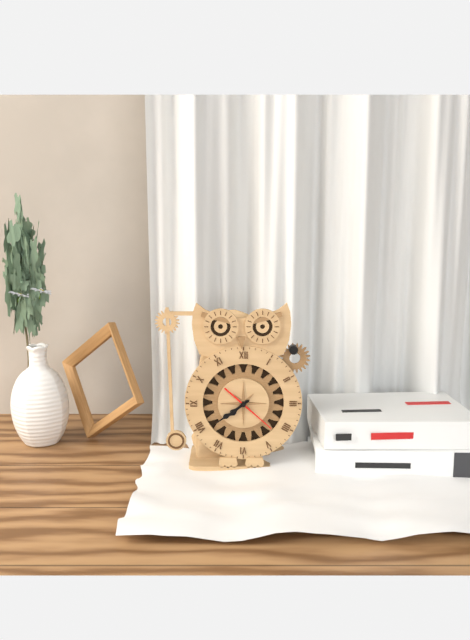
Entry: h=7 m=39 s=22
